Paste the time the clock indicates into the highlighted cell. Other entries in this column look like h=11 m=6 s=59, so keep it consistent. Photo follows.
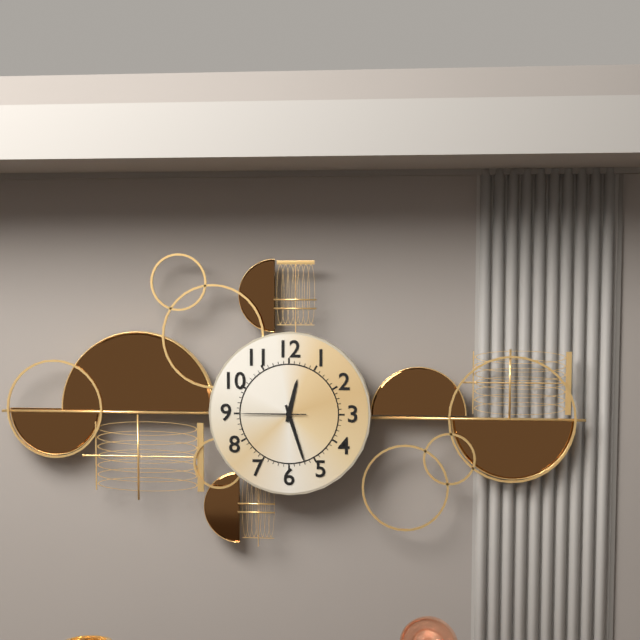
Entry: h=12 m=27 s=45
